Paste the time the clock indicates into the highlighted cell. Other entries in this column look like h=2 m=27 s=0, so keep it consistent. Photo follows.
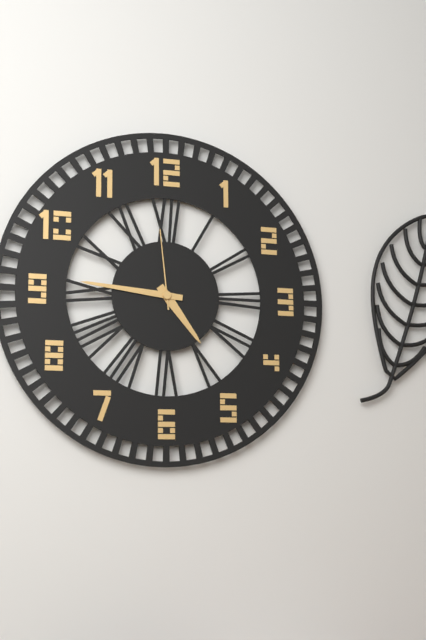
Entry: h=4 m=46 s=59
